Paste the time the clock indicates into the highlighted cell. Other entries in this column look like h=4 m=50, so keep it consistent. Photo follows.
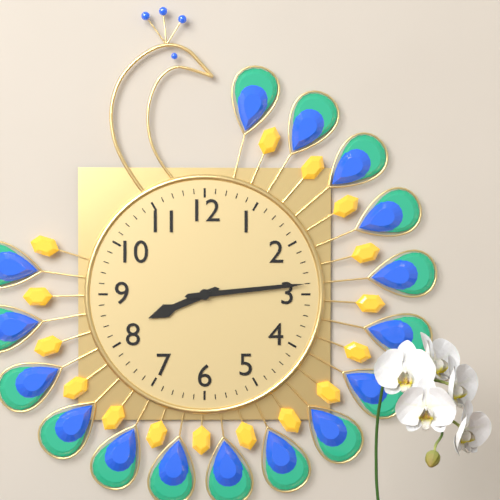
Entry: h=8 m=14
